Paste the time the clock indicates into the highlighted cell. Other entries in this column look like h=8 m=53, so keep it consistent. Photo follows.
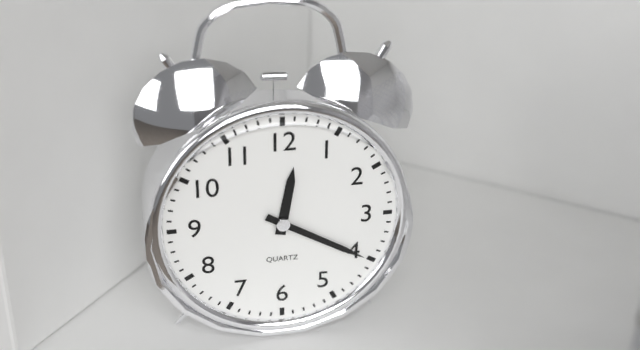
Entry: h=12 m=20
